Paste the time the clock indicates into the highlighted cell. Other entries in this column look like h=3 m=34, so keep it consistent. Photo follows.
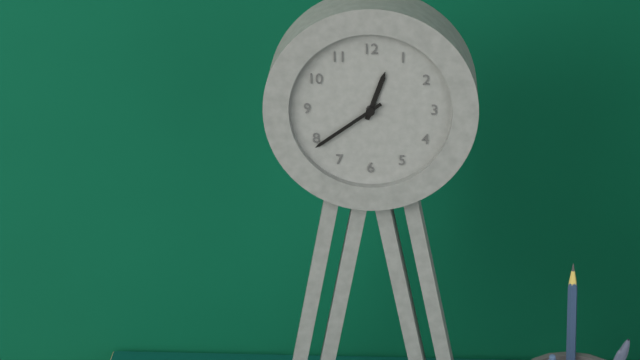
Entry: h=12 m=39
